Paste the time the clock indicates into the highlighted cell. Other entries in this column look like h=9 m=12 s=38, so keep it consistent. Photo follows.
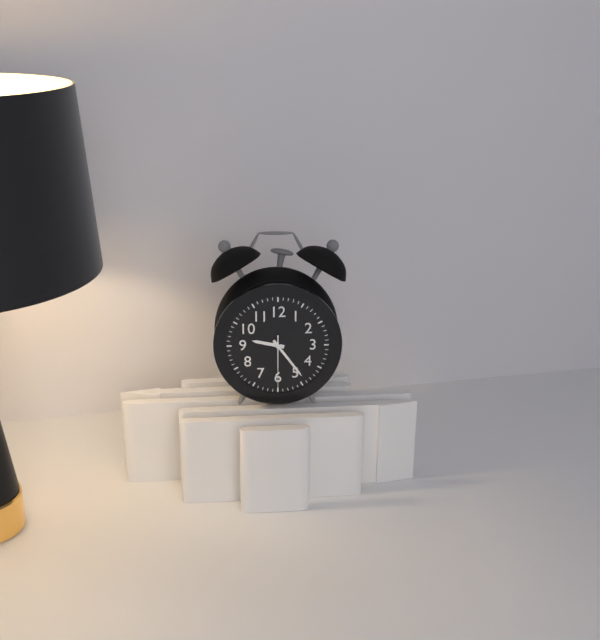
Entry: h=9 m=24 s=30
